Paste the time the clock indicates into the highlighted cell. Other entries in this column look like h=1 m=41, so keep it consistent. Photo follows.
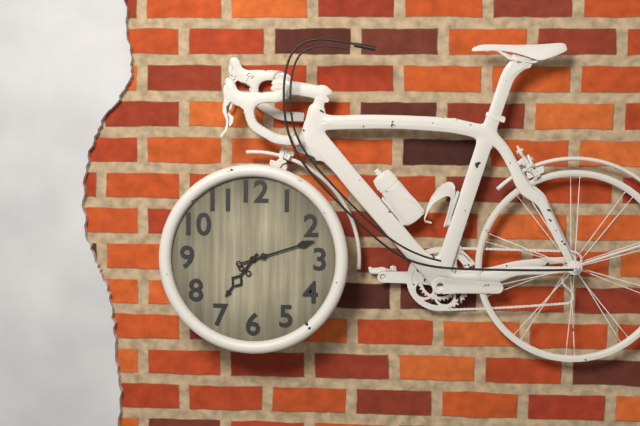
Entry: h=7 m=12
